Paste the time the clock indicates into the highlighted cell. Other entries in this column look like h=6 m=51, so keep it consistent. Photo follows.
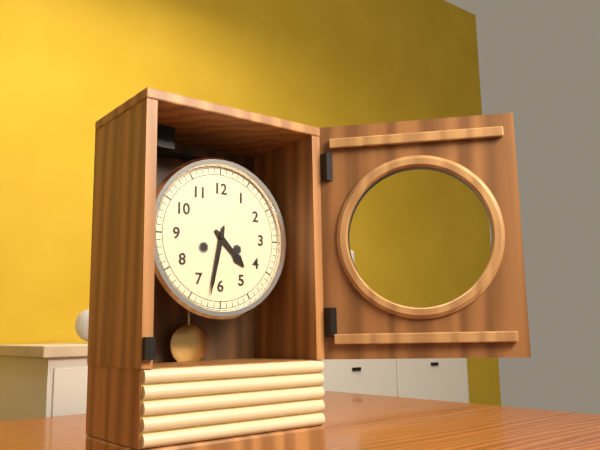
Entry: h=4 m=32
